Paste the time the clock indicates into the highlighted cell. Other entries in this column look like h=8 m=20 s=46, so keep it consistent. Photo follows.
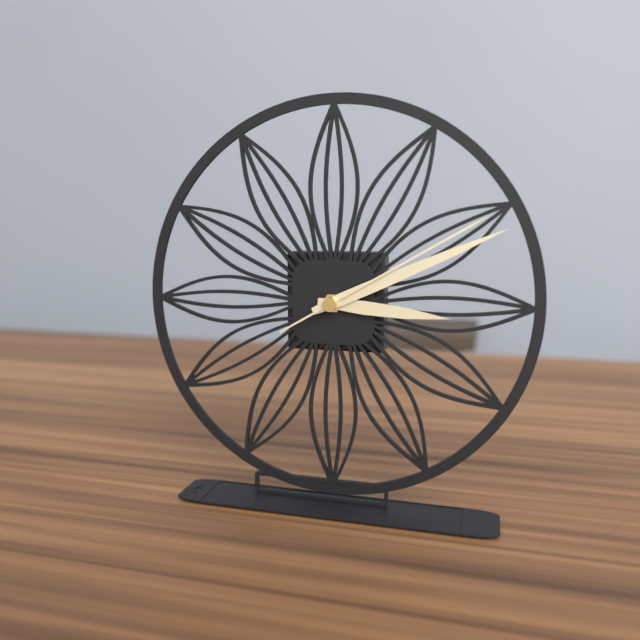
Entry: h=3 m=11 s=10
